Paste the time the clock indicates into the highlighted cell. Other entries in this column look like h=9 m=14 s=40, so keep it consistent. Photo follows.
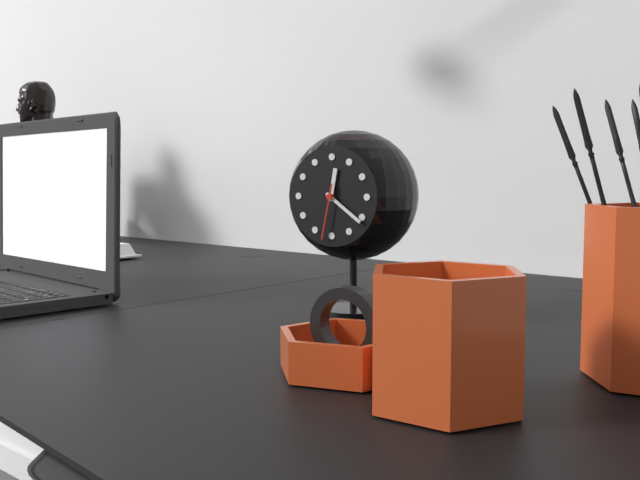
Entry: h=12 m=21 s=32
